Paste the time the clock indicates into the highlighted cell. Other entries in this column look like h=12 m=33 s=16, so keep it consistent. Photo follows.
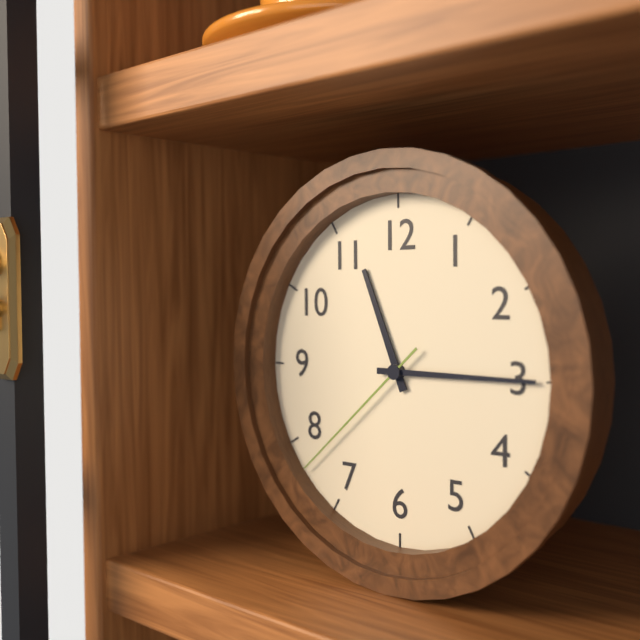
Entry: h=11 m=15 s=38
